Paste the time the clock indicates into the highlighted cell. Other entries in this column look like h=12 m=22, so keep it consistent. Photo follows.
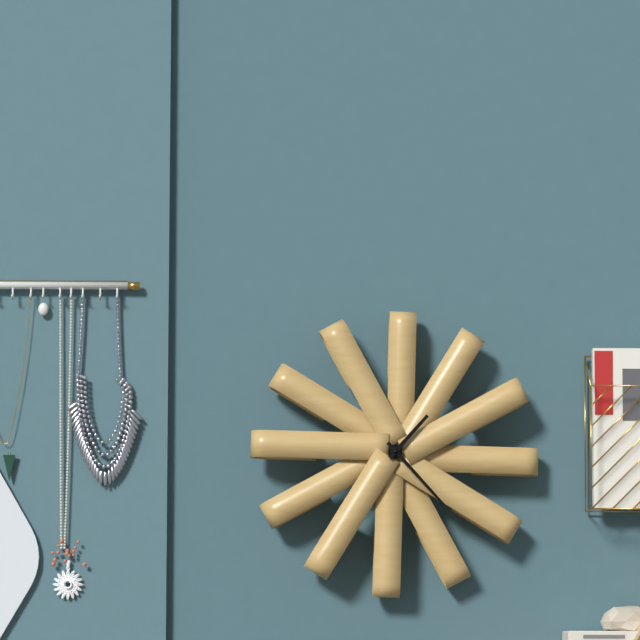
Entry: h=1 m=23
